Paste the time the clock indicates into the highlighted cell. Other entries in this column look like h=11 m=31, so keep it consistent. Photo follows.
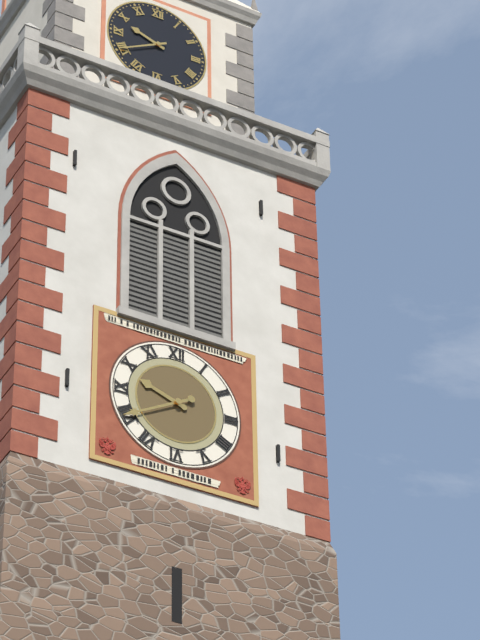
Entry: h=9 m=40
